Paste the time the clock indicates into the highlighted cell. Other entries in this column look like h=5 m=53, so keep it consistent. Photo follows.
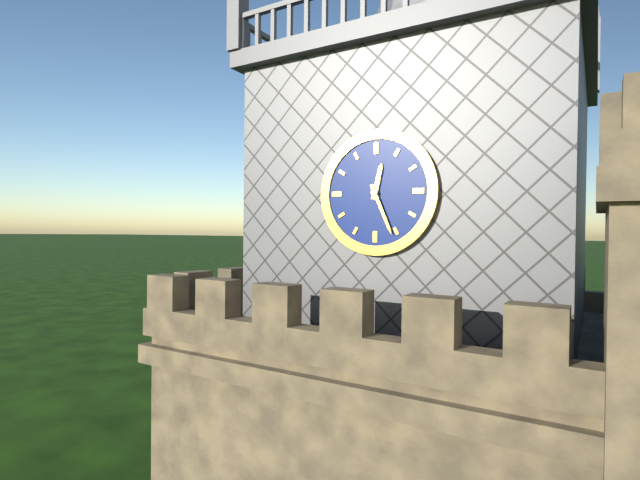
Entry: h=12 m=26
